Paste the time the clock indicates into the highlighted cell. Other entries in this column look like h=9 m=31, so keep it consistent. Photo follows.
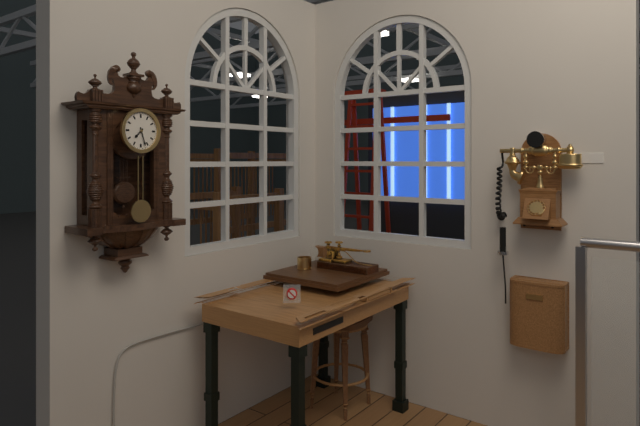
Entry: h=7 m=27
